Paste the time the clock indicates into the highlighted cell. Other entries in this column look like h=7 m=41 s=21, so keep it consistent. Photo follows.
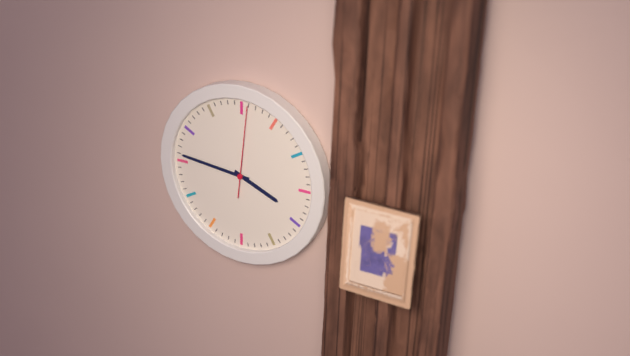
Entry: h=3 m=46 s=1
